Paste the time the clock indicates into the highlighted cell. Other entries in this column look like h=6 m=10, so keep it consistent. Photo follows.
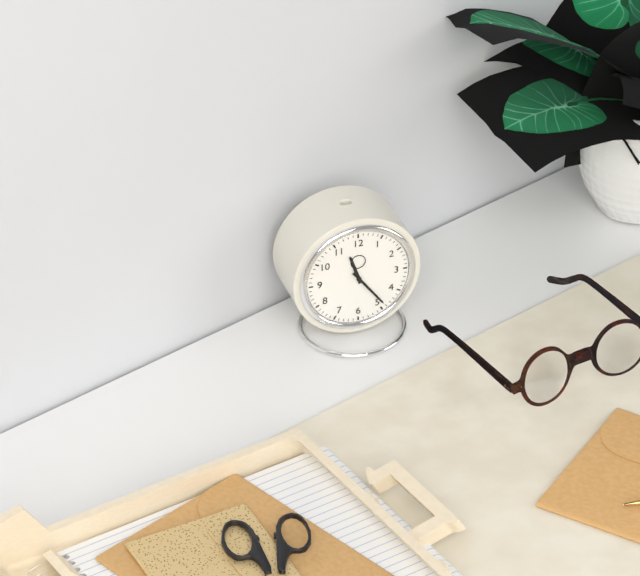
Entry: h=11 m=24
